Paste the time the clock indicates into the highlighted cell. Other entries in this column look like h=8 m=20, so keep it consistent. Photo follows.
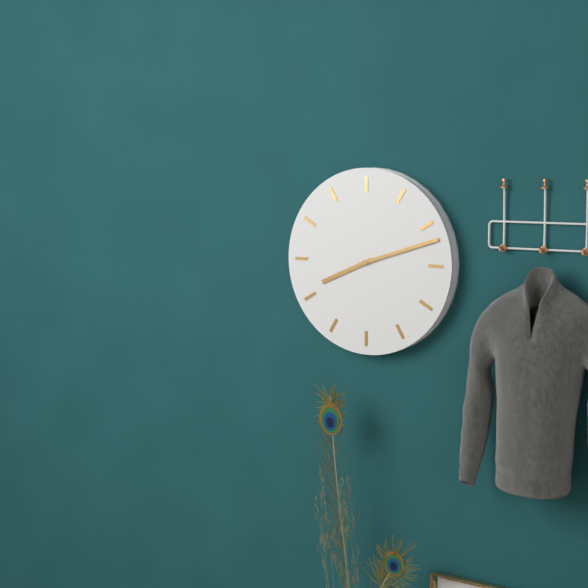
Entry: h=8 m=12
